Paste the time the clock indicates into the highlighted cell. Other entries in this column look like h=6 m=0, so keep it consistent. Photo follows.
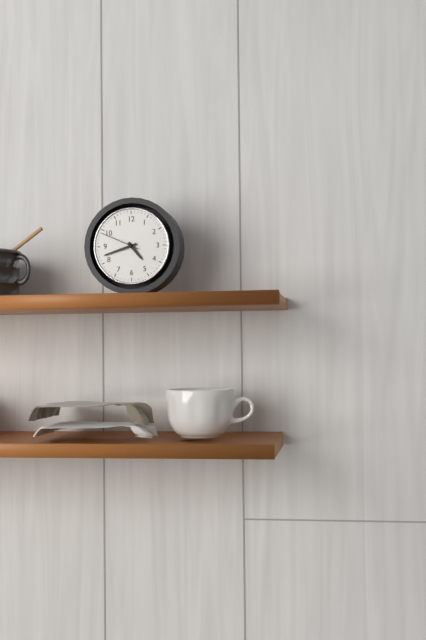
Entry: h=4 m=42
